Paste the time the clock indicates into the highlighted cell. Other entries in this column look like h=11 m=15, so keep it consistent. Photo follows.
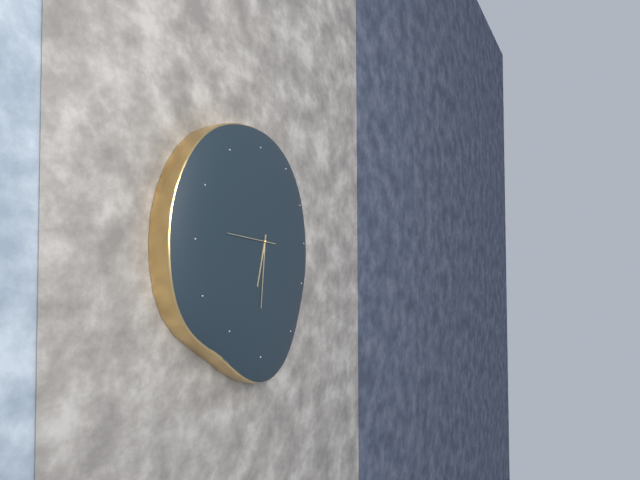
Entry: h=6 m=31
